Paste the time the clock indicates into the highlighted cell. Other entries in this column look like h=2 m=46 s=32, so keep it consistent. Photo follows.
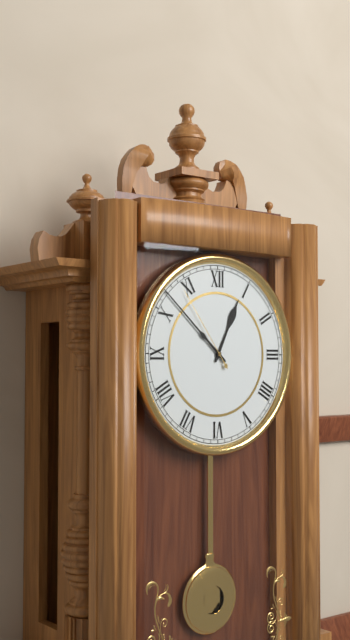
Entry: h=12 m=52 s=54
